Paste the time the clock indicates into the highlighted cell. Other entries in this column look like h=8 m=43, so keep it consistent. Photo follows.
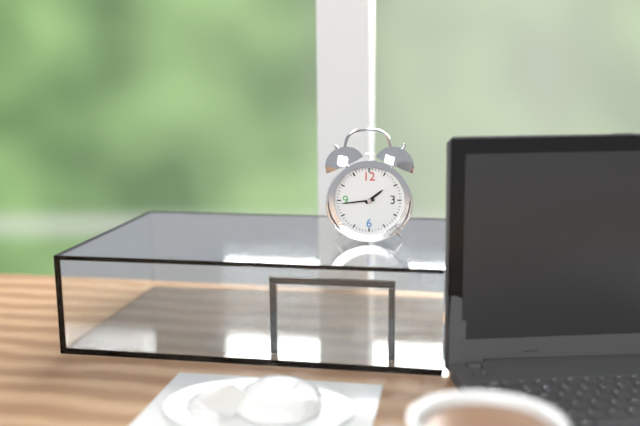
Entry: h=1 m=44
